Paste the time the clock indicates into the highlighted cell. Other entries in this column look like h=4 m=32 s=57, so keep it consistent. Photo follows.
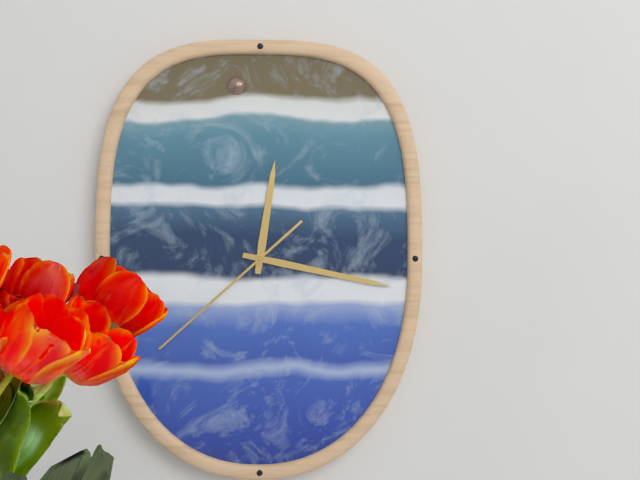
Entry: h=12 m=17 s=38
